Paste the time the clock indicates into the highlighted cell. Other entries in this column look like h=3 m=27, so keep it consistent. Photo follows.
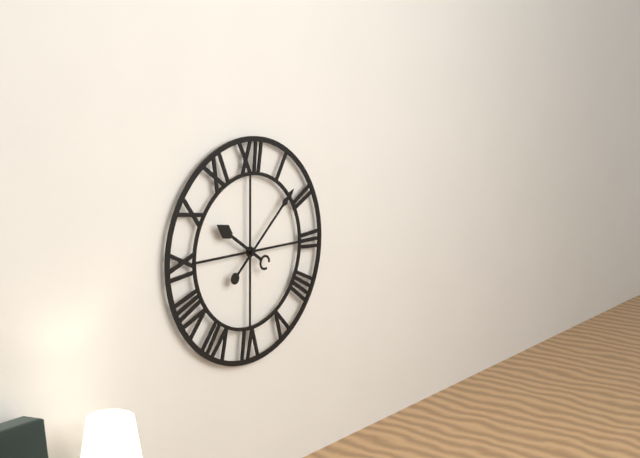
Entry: h=10 m=8
